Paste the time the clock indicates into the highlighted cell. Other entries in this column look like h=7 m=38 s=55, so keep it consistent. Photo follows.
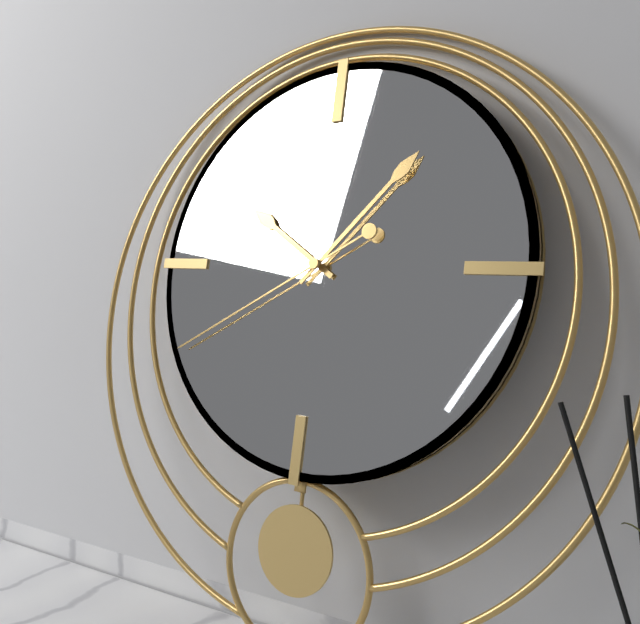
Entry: h=10 m=7 s=40
